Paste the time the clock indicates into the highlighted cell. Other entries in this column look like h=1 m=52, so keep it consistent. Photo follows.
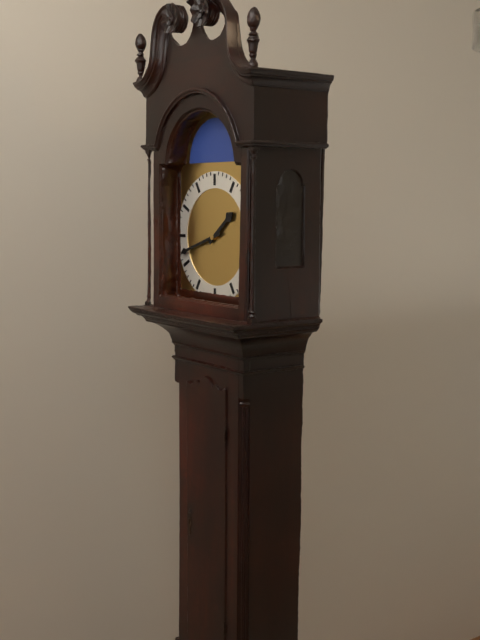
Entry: h=1 m=42
